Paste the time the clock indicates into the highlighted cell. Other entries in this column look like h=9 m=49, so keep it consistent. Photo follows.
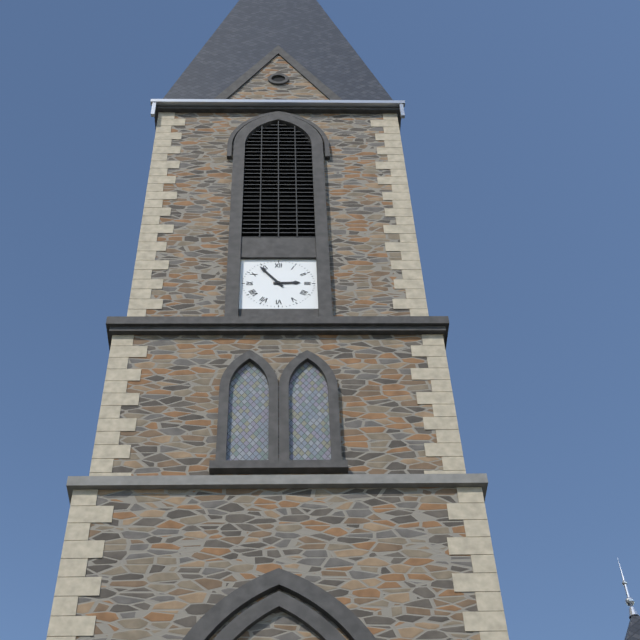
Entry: h=2 m=54
